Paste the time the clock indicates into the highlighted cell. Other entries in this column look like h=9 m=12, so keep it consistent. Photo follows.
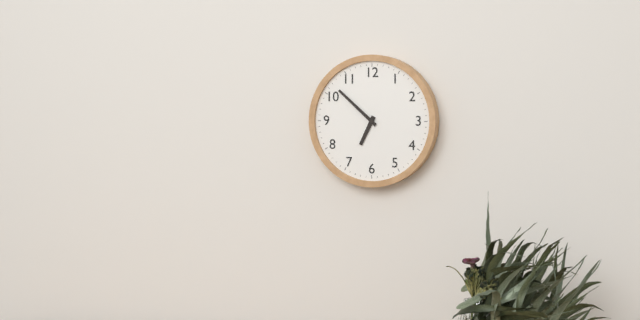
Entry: h=6 m=52
